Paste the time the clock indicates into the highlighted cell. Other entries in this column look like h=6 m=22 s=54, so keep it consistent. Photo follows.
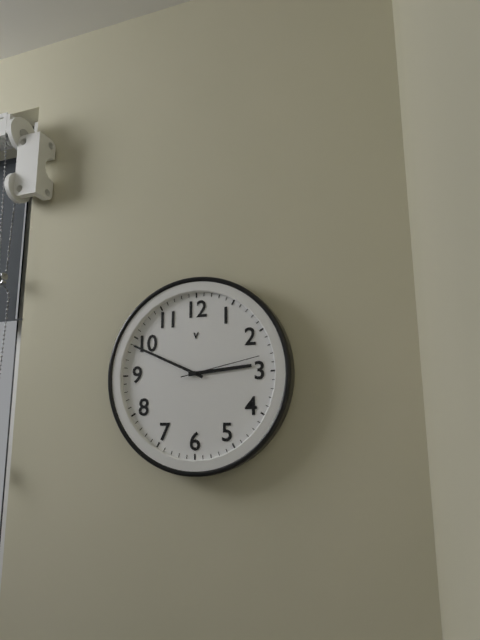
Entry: h=2 m=49 s=13
